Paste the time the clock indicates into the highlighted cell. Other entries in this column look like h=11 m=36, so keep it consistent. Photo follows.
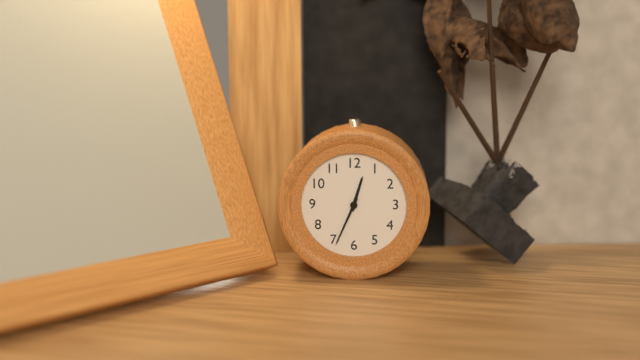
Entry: h=12 m=34
